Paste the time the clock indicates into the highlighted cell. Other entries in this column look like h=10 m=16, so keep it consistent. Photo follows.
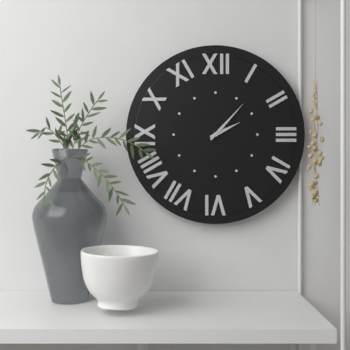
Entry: h=2 m=7
